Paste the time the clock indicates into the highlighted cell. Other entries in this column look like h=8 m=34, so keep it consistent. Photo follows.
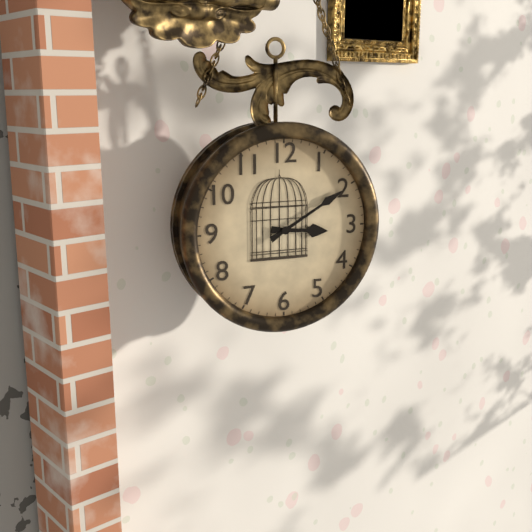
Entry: h=3 m=10
